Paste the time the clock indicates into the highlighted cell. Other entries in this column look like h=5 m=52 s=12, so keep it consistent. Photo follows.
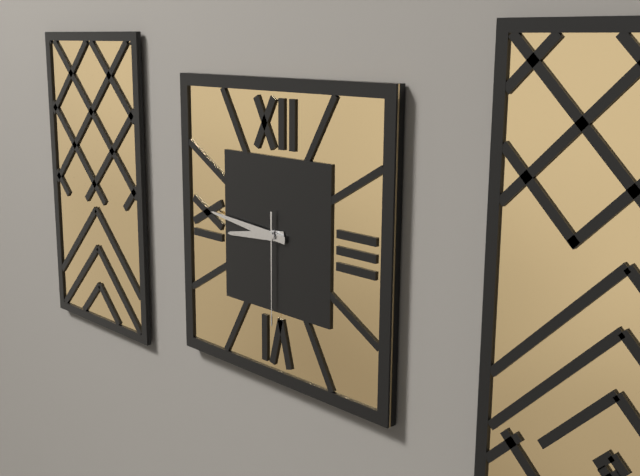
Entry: h=8 m=46 s=30
